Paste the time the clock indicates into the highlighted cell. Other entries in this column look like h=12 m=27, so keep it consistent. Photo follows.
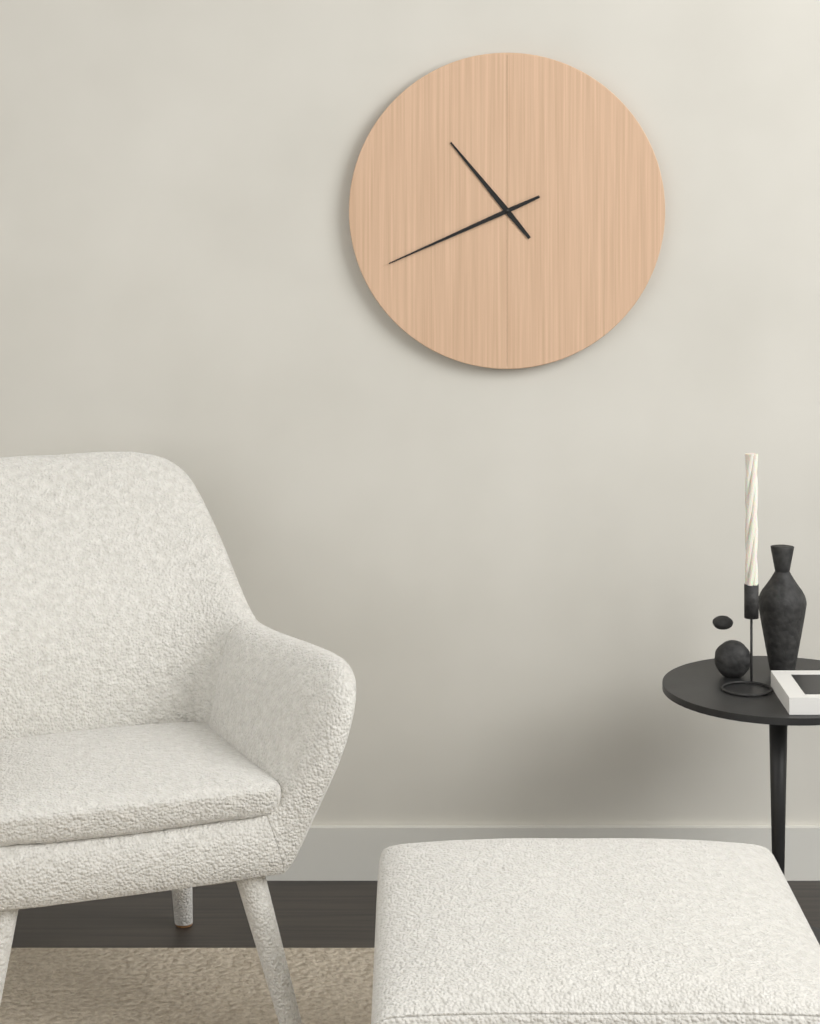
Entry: h=10 m=41
